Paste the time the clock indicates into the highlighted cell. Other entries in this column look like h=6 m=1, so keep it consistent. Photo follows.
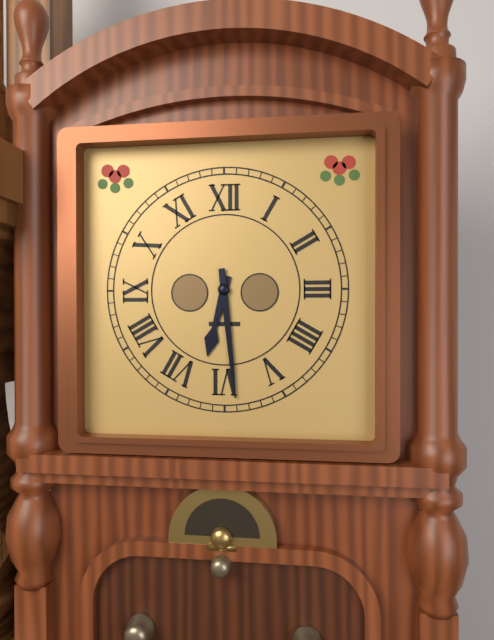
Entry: h=6 m=29
